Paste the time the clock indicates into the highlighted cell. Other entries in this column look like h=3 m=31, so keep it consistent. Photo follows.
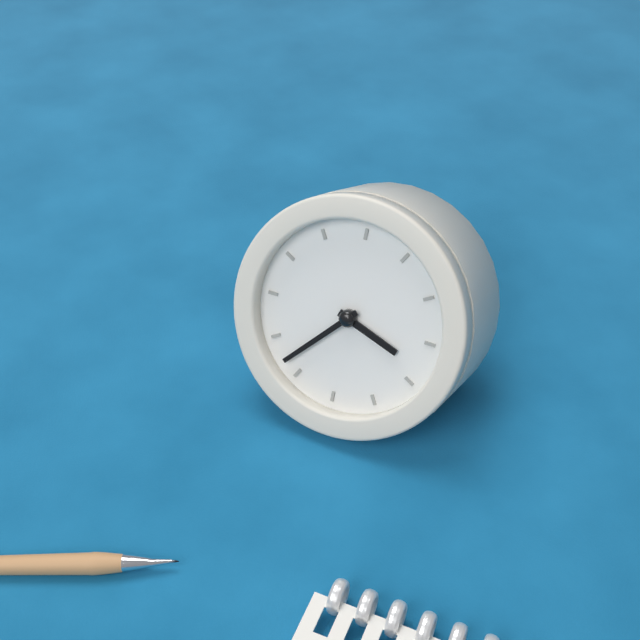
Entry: h=3 m=37
